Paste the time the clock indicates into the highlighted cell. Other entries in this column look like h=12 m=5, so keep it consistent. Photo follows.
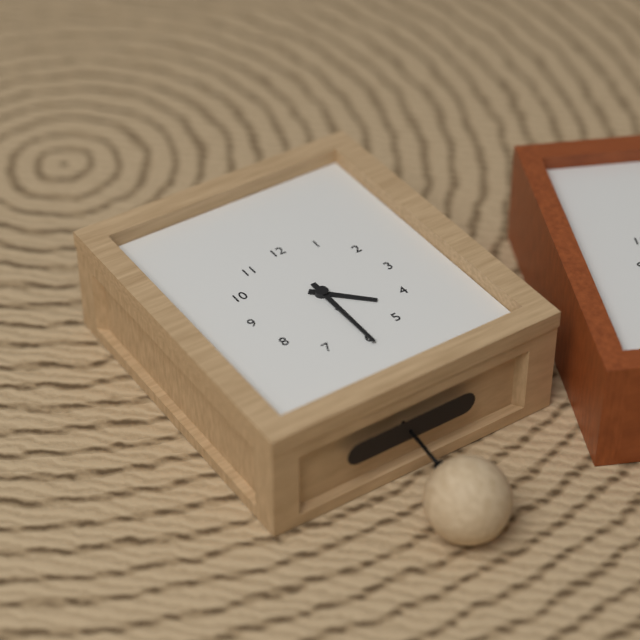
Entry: h=4 m=30
